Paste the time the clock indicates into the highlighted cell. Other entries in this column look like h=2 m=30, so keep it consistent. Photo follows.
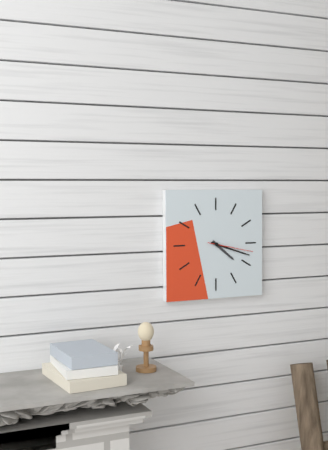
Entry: h=4 m=18
